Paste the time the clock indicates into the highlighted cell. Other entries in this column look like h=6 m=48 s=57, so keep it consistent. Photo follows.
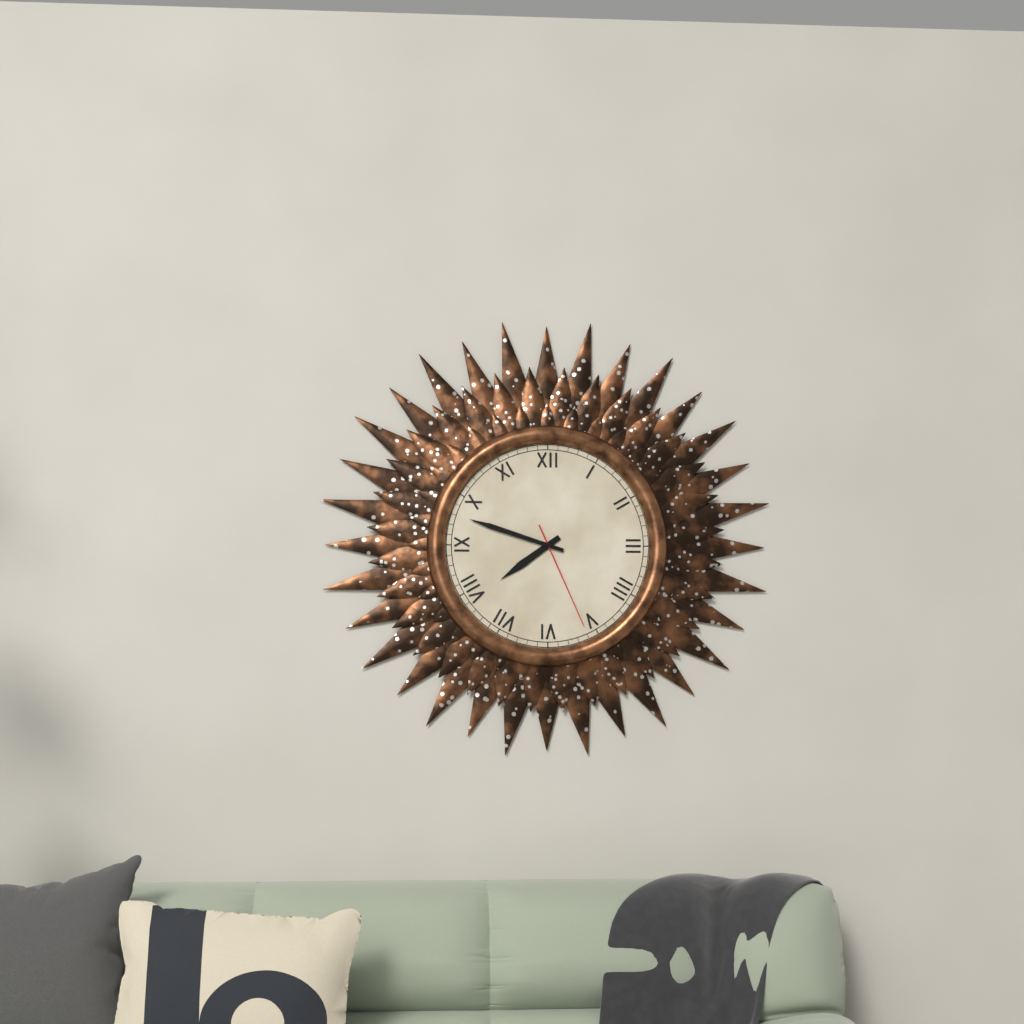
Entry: h=7 m=48 s=26
